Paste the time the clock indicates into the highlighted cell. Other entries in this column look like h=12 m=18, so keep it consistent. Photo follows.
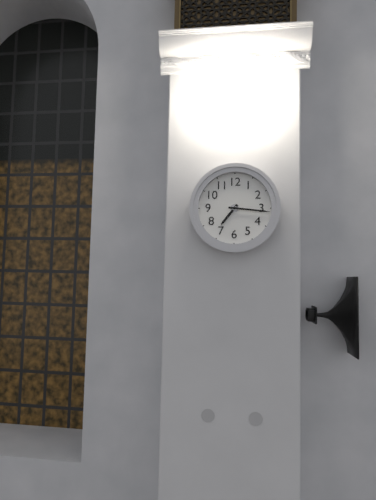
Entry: h=7 m=16
